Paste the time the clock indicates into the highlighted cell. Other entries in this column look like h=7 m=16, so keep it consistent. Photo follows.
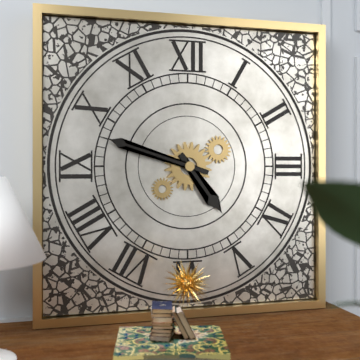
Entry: h=4 m=48
